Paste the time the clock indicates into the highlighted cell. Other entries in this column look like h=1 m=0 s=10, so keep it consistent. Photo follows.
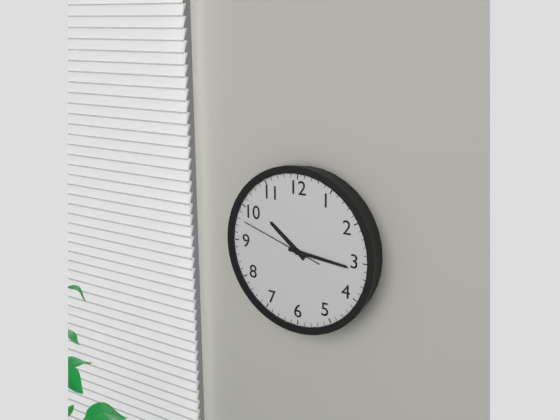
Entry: h=10 m=16 s=48
